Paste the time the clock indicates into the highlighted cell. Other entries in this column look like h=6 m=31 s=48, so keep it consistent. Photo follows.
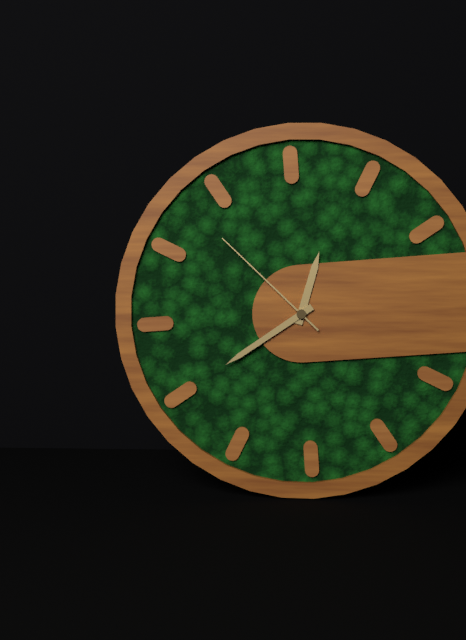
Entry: h=12 m=40 s=53
